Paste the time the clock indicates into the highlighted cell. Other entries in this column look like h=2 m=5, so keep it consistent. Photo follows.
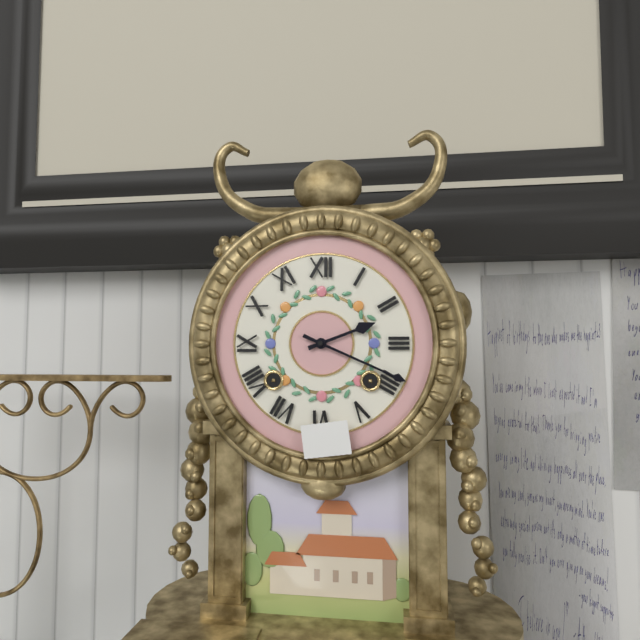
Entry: h=2 m=19
